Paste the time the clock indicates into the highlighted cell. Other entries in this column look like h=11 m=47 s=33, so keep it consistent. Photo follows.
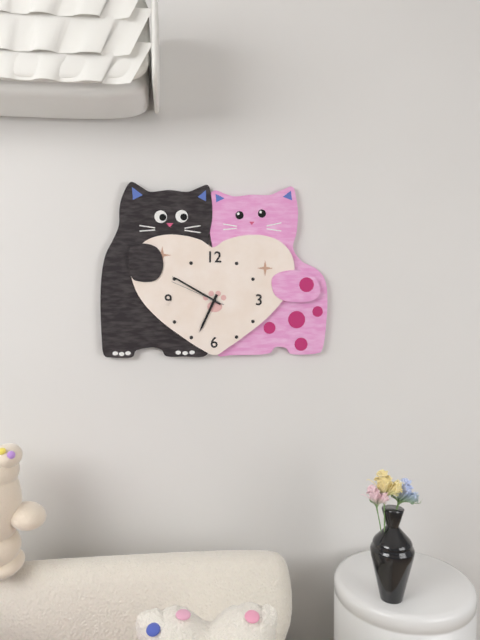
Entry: h=6 m=50 s=49
